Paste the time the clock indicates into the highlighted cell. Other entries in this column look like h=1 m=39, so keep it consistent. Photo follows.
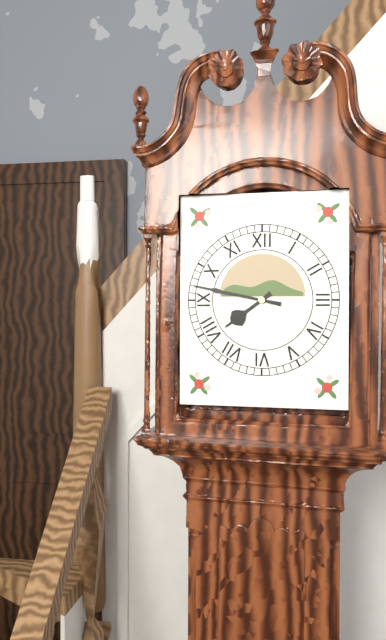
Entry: h=7 m=47
